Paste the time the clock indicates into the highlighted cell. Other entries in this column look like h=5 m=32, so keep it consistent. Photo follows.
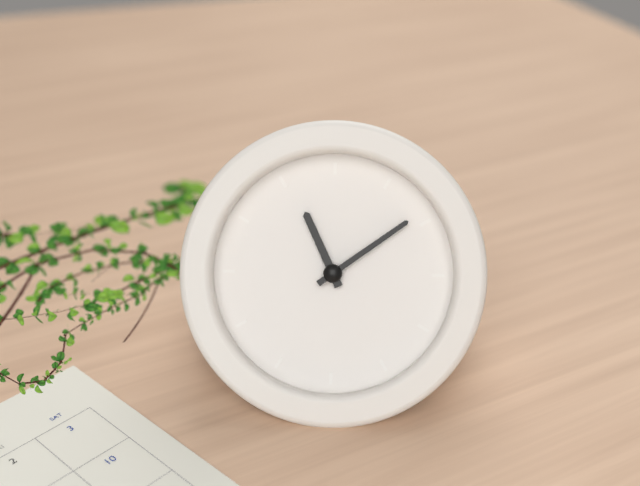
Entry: h=11 m=9
